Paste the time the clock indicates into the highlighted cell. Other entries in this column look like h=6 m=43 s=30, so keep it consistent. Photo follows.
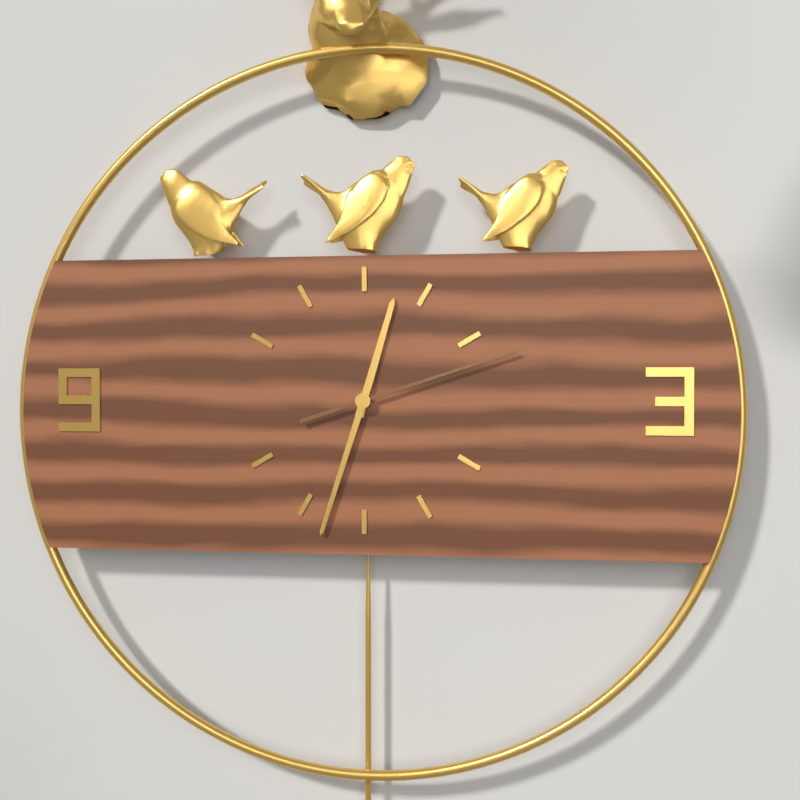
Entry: h=12 m=33 s=12
